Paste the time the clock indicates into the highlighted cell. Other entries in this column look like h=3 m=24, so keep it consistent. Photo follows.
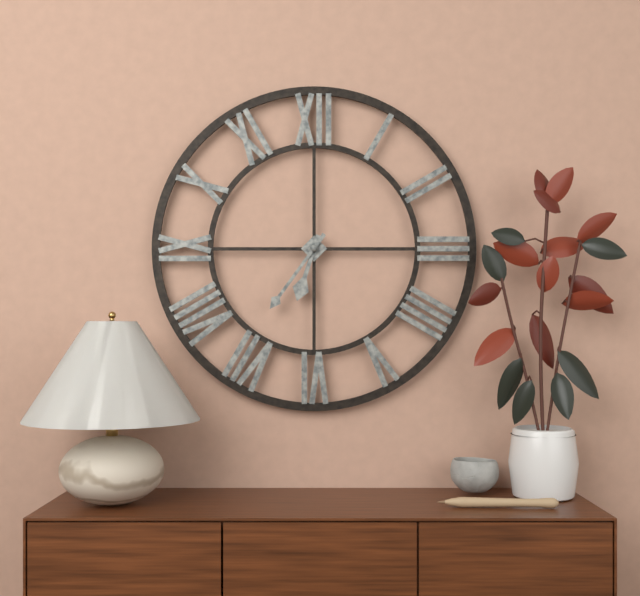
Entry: h=6 m=36
